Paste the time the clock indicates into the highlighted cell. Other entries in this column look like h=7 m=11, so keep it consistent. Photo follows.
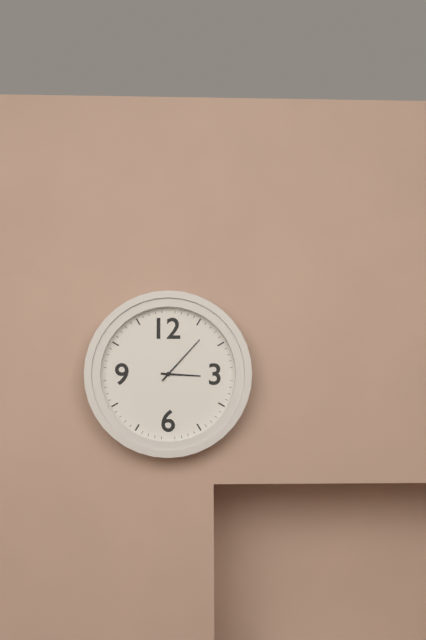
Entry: h=3 m=7
